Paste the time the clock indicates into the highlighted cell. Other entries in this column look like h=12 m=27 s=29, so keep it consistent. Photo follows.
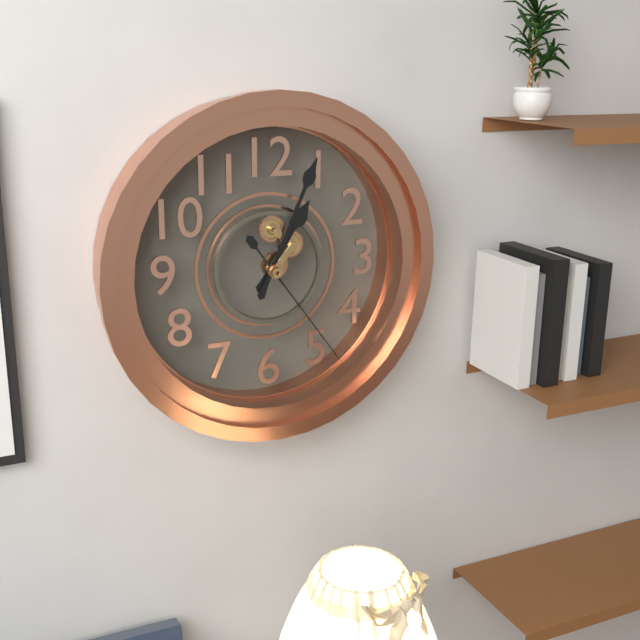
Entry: h=1 m=4 s=24
